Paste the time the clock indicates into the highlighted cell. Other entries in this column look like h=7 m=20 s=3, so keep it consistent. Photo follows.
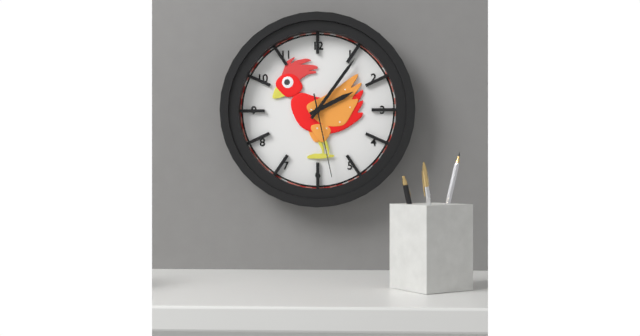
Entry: h=2 m=6 s=28
